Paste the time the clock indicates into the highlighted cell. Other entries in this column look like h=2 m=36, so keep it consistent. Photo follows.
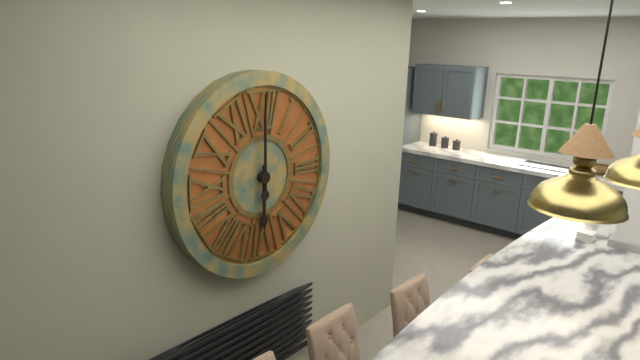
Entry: h=6 m=0
